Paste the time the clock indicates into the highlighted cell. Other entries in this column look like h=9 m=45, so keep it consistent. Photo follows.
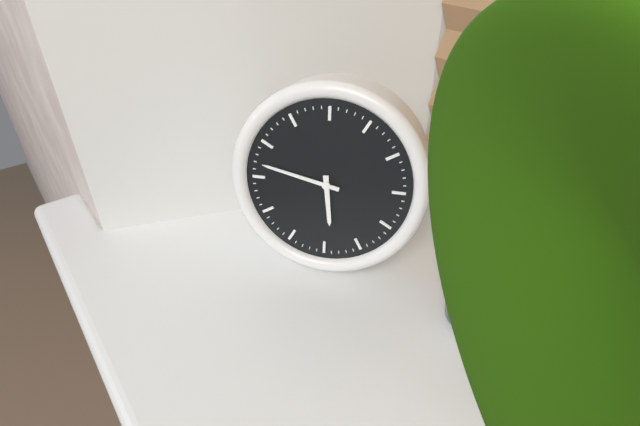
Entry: h=5 m=47
